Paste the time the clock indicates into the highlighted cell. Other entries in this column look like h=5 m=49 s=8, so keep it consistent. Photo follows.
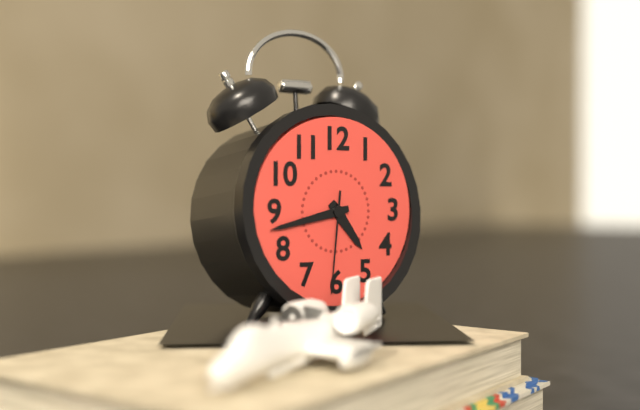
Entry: h=4 m=43 s=31
